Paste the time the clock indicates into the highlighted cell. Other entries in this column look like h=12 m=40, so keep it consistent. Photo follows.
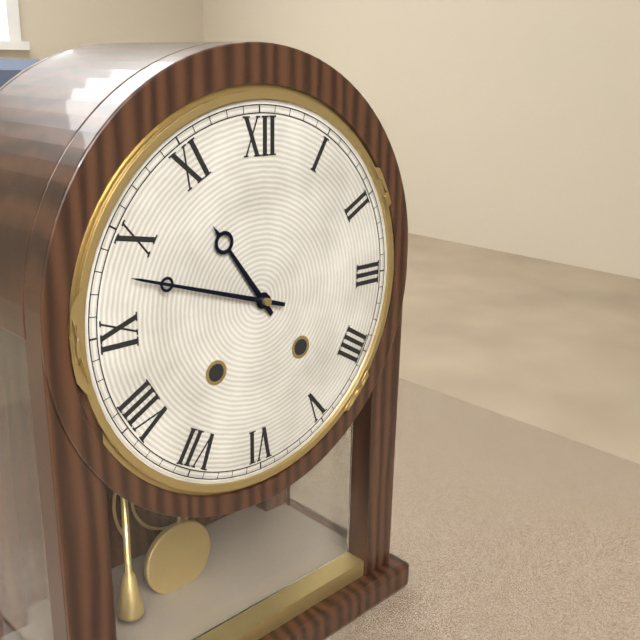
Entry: h=10 m=48
